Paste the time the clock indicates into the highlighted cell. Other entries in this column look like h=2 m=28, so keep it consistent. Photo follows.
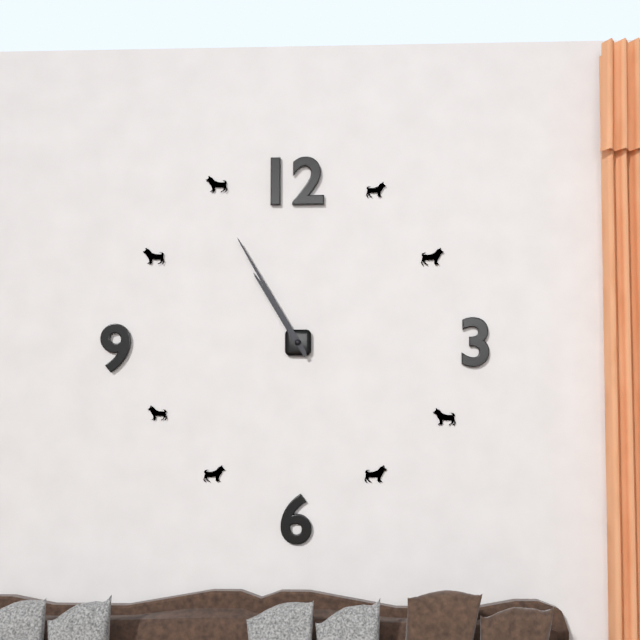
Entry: h=10 m=55
